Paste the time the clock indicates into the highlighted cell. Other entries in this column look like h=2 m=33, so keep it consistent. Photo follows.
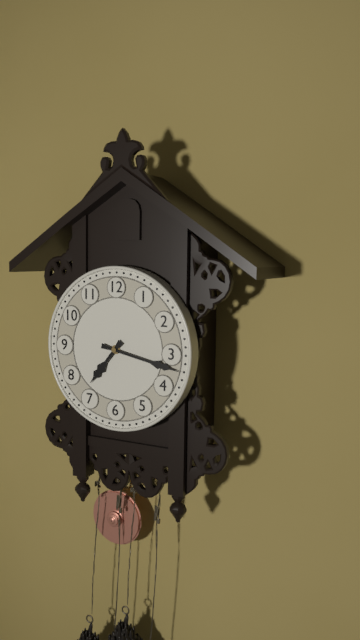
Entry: h=7 m=17
